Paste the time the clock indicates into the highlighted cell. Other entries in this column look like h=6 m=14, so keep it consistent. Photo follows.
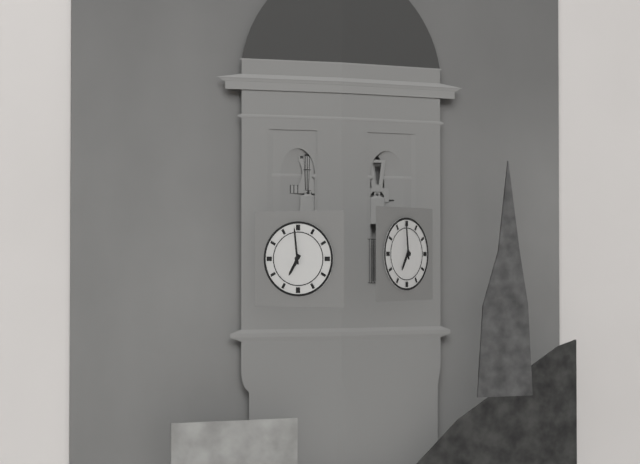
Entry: h=6 m=59
